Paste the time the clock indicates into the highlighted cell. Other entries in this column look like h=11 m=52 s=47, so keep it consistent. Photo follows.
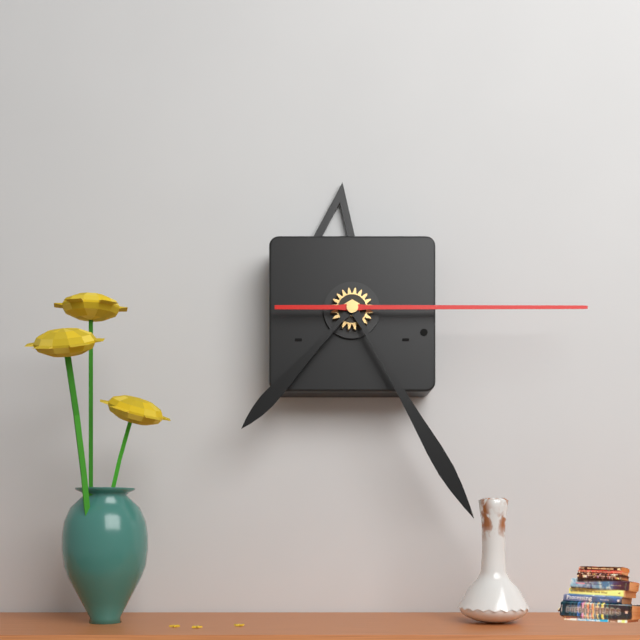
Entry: h=7 m=25 s=15
